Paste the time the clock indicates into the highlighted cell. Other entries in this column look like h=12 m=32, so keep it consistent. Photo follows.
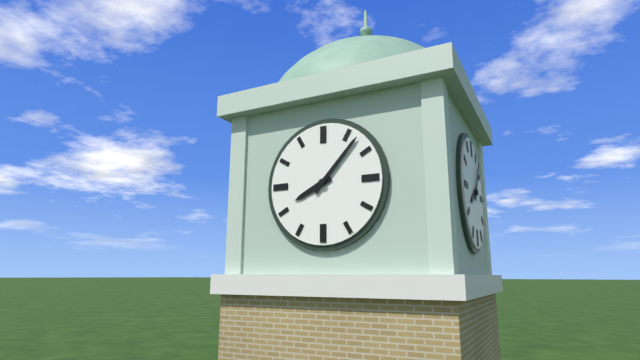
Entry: h=8 m=7
